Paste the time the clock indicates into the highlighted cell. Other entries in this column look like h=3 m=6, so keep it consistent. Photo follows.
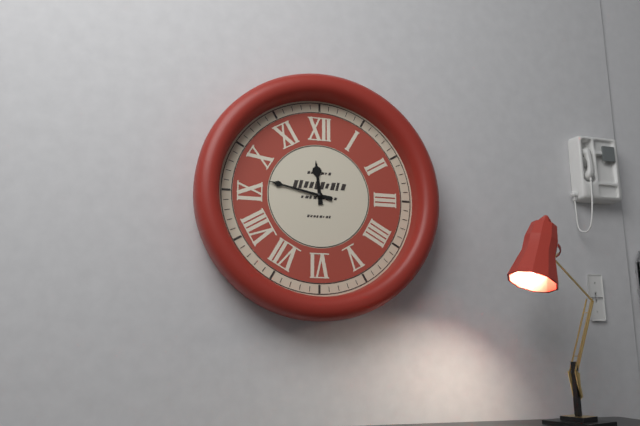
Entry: h=11 m=47
